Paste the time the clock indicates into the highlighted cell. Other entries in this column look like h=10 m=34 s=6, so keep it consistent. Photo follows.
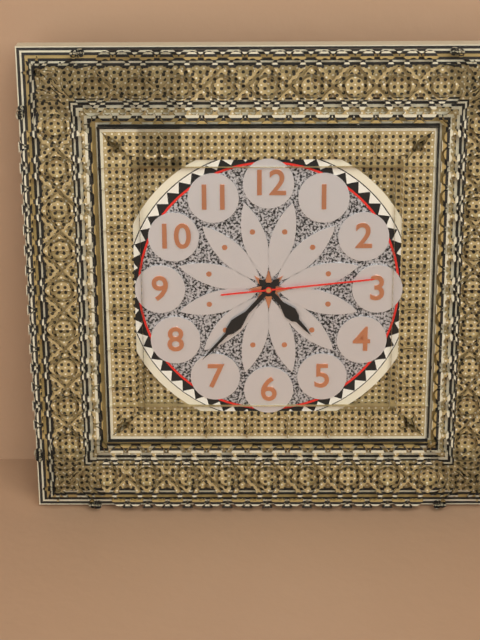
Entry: h=4 m=37 s=14
